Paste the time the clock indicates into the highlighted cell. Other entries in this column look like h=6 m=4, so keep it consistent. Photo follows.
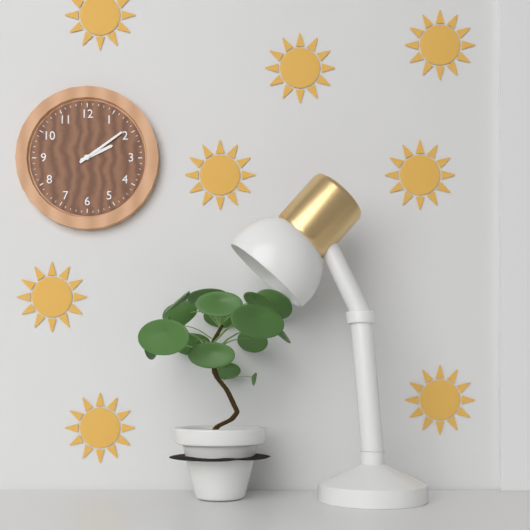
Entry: h=2 m=9
